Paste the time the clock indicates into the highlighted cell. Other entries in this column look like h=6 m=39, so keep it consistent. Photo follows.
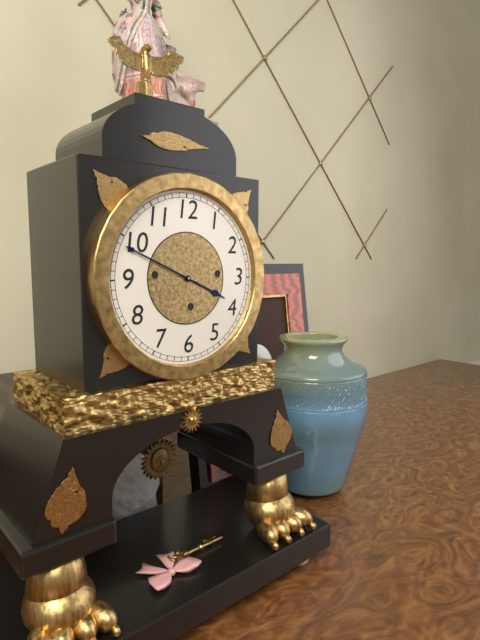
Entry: h=3 m=49
